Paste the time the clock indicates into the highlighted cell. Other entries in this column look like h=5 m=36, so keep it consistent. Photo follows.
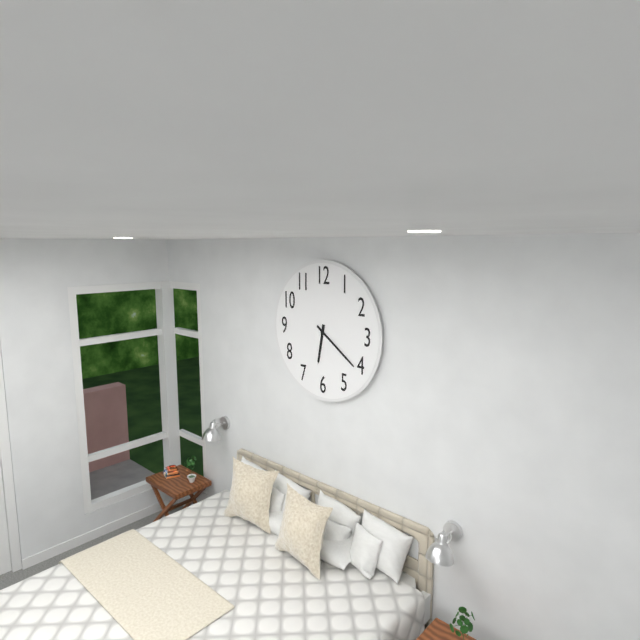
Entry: h=6 m=21
